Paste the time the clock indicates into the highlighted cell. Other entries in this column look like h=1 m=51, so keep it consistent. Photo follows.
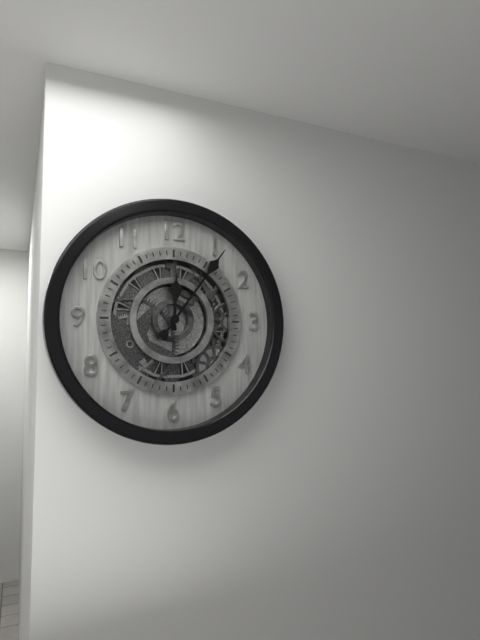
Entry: h=12 m=6
